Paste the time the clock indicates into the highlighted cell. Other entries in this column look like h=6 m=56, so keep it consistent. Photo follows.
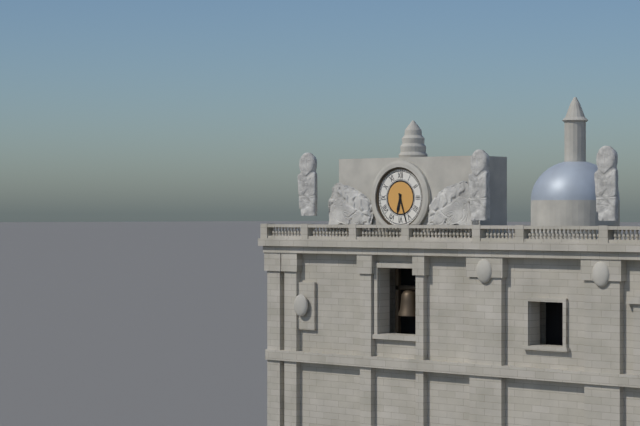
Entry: h=6 m=27
